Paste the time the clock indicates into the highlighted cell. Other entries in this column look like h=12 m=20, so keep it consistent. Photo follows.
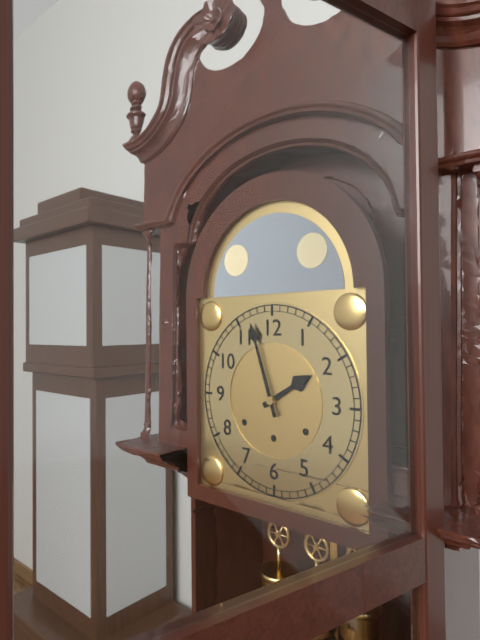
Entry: h=1 m=57
